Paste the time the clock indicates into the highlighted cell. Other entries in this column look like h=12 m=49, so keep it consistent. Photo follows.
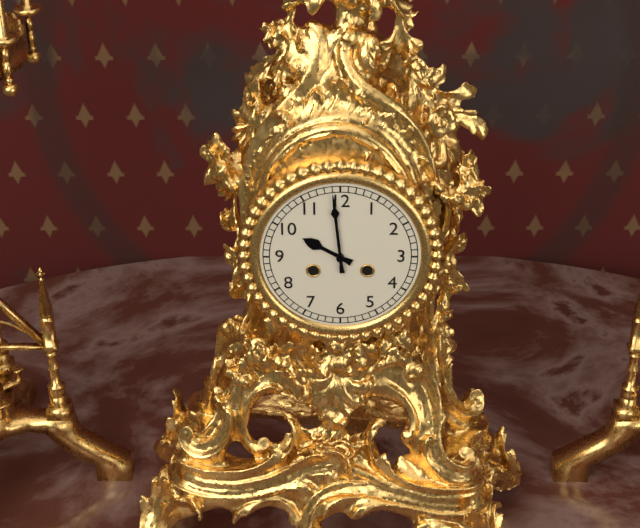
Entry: h=9 m=59
